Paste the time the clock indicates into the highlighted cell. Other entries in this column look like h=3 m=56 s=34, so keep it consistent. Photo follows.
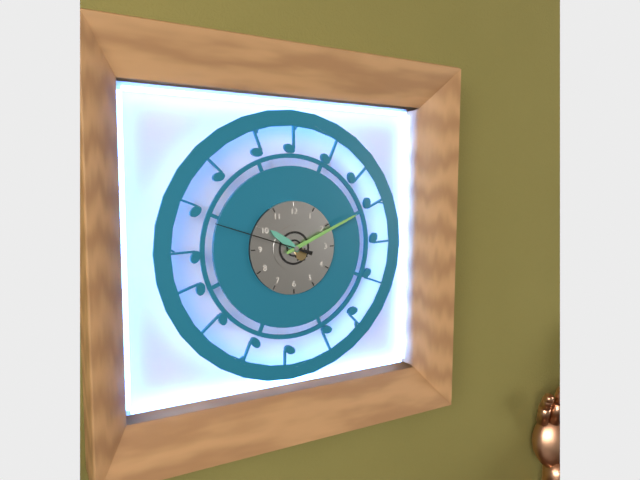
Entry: h=10 m=11 s=48
